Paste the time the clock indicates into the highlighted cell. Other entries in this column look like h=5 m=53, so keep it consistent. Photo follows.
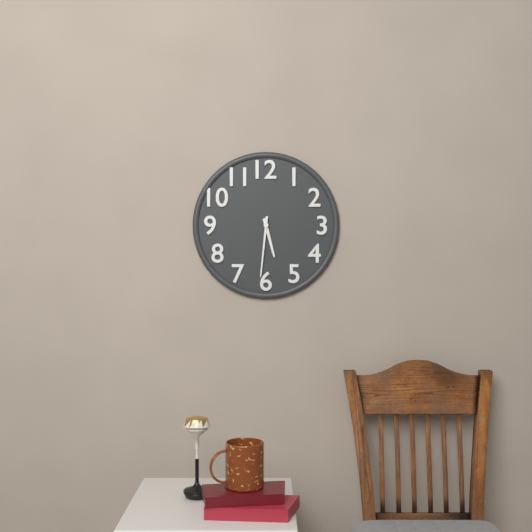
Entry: h=5 m=31
